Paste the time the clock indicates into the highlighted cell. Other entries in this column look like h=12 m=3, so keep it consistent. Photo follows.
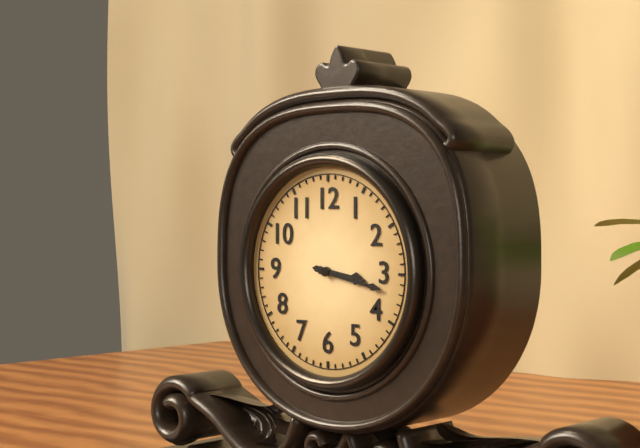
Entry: h=3 m=17
